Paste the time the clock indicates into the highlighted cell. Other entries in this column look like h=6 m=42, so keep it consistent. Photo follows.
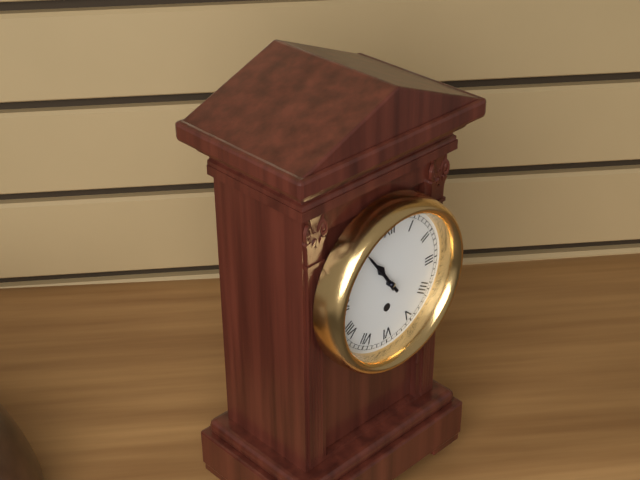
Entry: h=10 m=54
